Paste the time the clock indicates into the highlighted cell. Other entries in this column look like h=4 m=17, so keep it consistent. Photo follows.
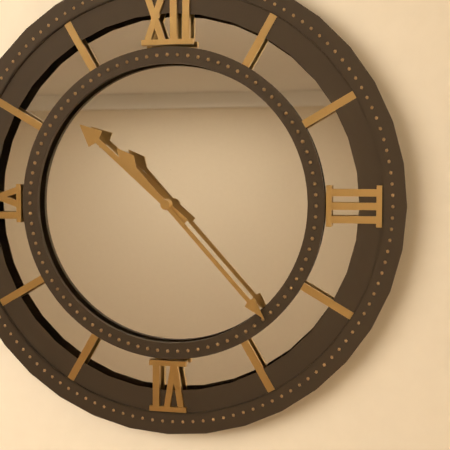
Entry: h=10 m=23
